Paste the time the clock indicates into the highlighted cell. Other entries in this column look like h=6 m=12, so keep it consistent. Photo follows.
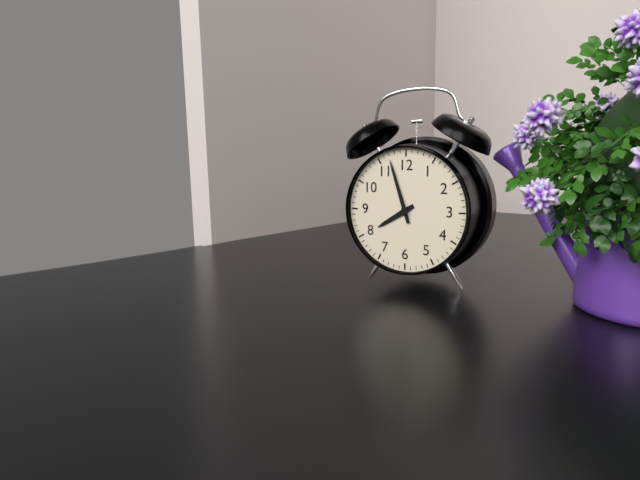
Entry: h=7 m=57
